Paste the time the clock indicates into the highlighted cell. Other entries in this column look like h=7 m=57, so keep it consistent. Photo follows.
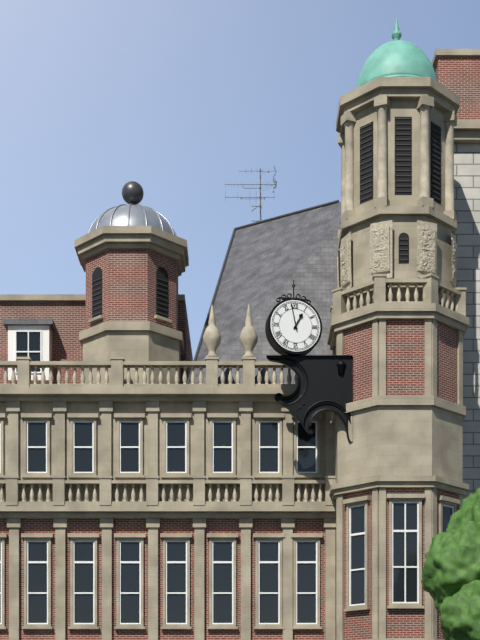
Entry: h=12 m=58
